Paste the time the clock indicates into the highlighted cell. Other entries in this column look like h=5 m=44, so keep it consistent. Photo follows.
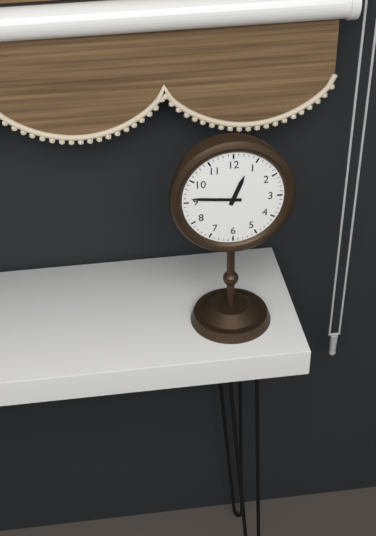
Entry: h=12 m=46
